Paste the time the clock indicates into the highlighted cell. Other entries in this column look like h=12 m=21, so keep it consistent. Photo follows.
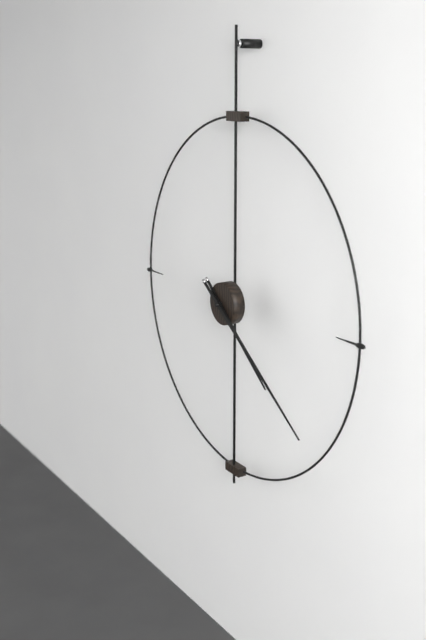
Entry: h=4 m=21
